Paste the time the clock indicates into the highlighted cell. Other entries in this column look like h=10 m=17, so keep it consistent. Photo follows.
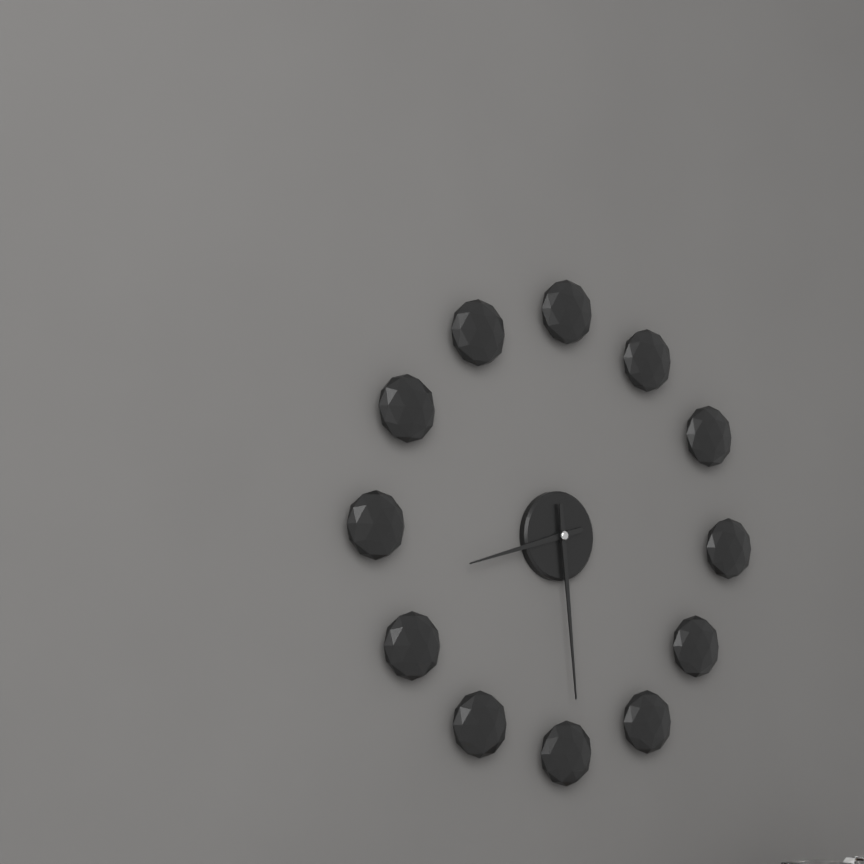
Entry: h=8 m=29
